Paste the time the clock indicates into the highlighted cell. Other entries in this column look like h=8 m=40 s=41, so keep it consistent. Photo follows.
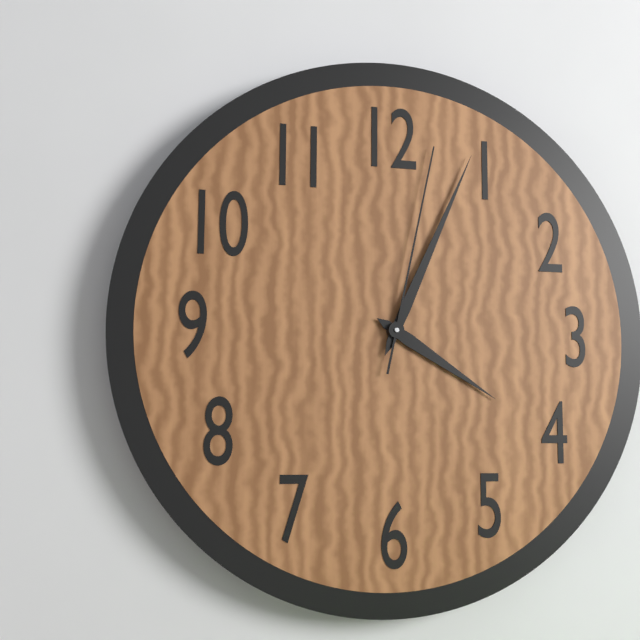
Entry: h=4 m=4 s=2
